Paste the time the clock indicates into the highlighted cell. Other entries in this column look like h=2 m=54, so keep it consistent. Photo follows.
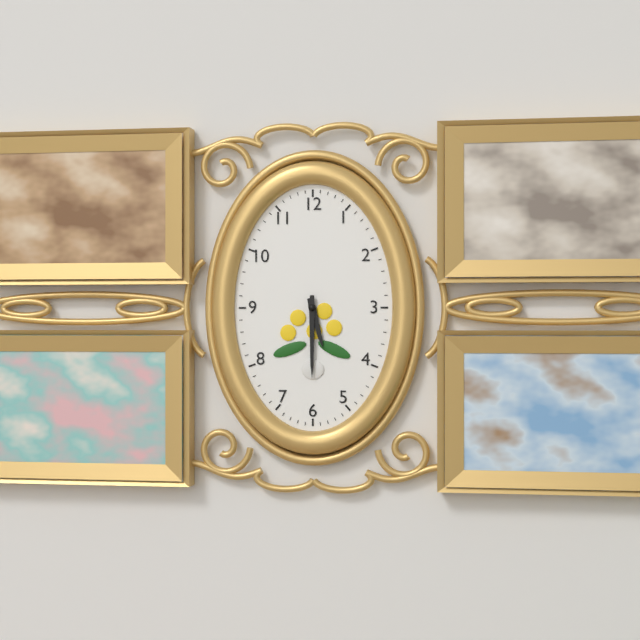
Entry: h=5 m=30
